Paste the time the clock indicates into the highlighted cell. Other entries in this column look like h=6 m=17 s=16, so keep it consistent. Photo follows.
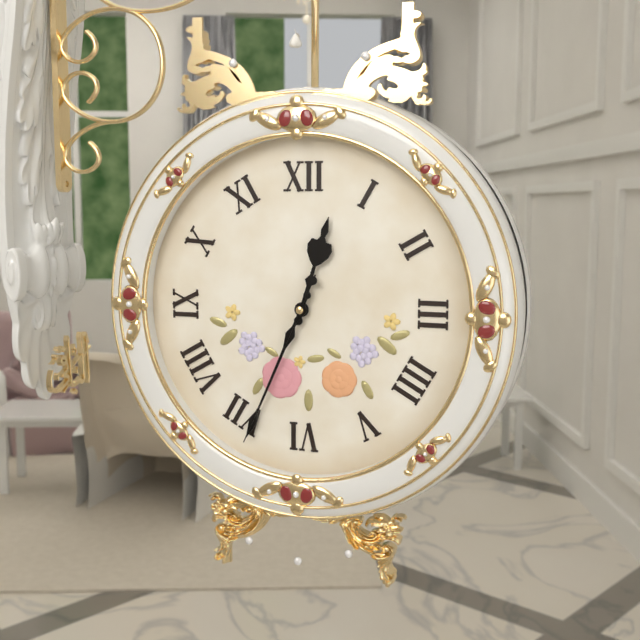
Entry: h=12 m=34 s=34
